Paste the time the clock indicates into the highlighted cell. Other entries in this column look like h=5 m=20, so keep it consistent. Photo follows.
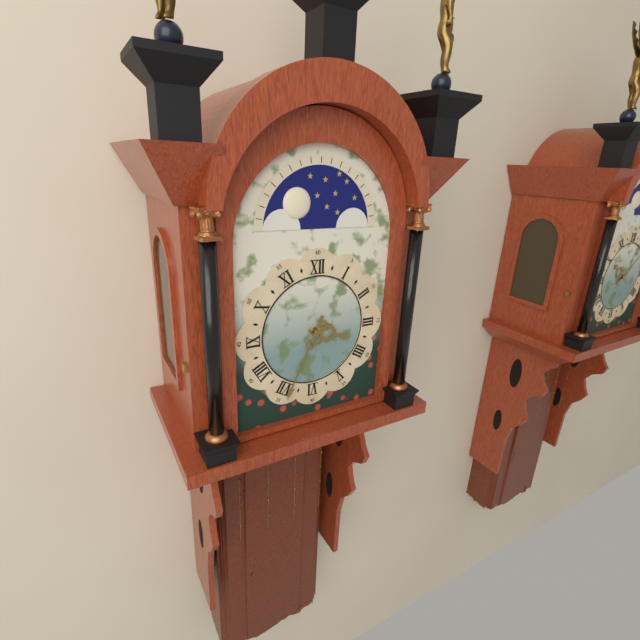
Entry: h=3 m=34
